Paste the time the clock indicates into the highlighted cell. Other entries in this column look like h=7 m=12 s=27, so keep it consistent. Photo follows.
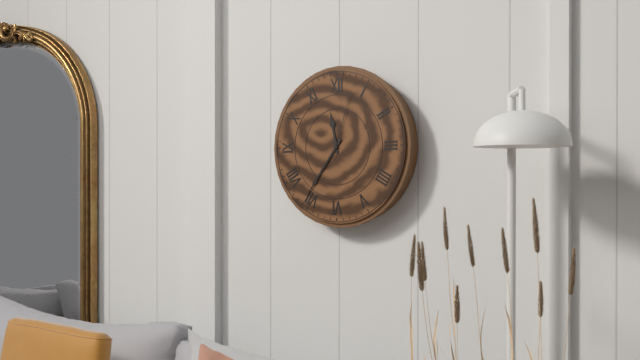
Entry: h=11 m=36 s=3
